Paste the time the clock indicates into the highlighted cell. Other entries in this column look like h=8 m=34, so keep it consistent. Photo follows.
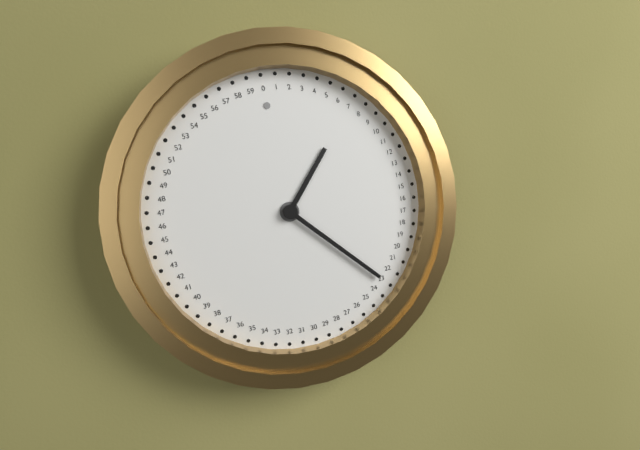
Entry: h=1 m=23
